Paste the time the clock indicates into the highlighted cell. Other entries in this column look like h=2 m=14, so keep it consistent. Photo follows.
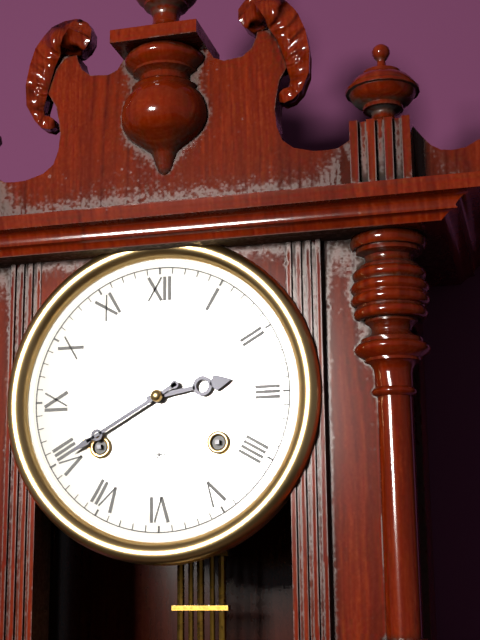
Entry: h=2 m=40
